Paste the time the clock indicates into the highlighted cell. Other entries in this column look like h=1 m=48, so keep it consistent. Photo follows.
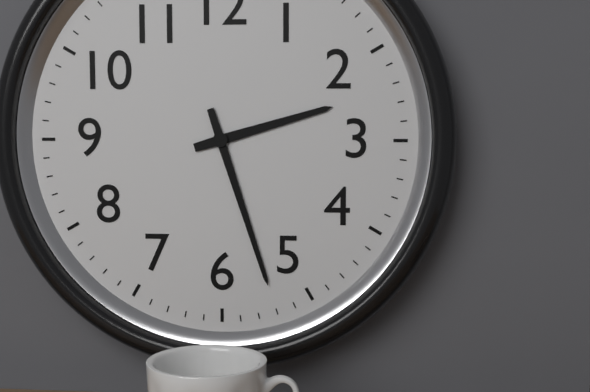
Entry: h=2 m=27
